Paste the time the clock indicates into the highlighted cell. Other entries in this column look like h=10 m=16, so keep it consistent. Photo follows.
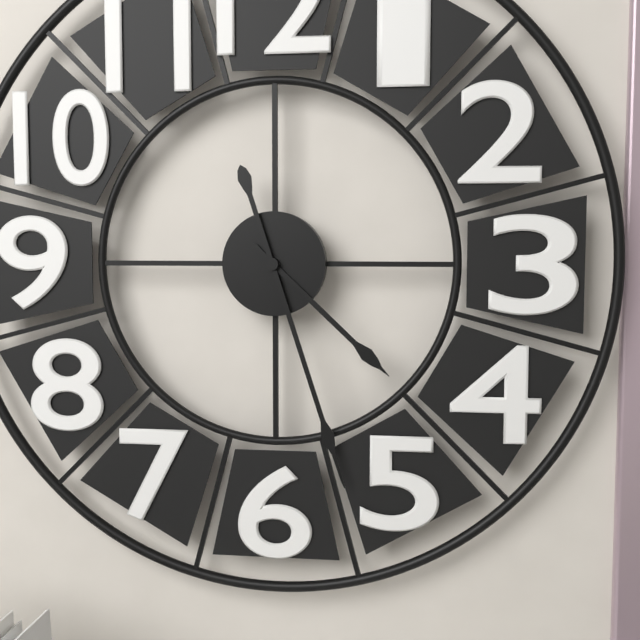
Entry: h=4 m=27
